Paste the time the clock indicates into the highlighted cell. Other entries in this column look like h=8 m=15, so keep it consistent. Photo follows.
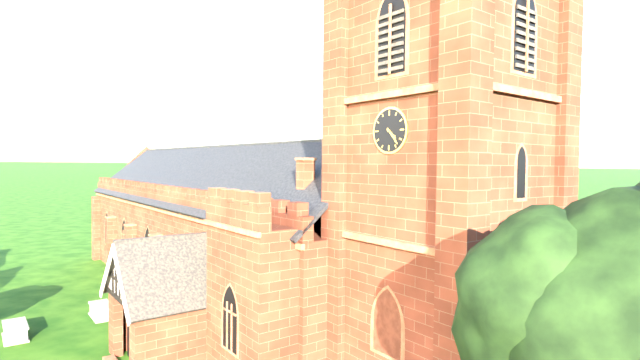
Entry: h=4 m=23
